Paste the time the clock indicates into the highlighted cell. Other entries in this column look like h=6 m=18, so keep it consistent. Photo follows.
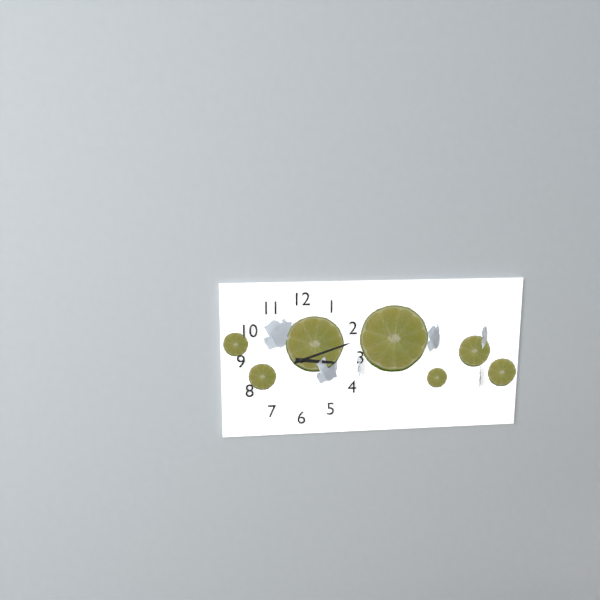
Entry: h=3 m=12
